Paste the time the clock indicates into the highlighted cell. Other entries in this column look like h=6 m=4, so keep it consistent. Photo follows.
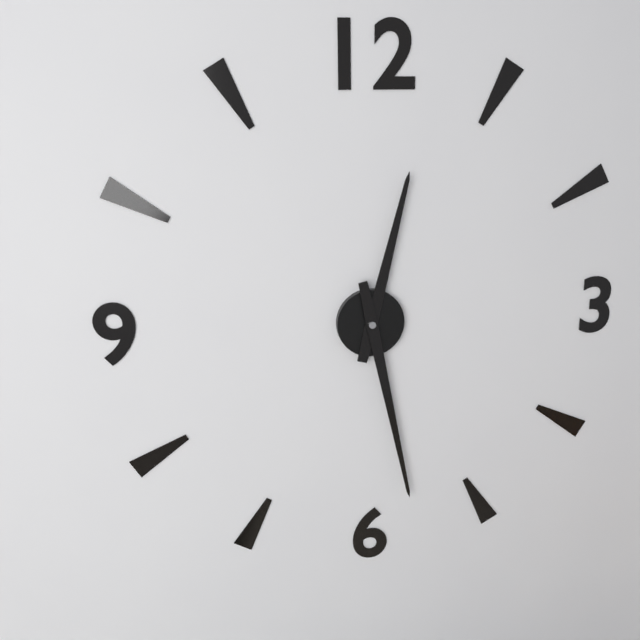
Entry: h=12 m=28
